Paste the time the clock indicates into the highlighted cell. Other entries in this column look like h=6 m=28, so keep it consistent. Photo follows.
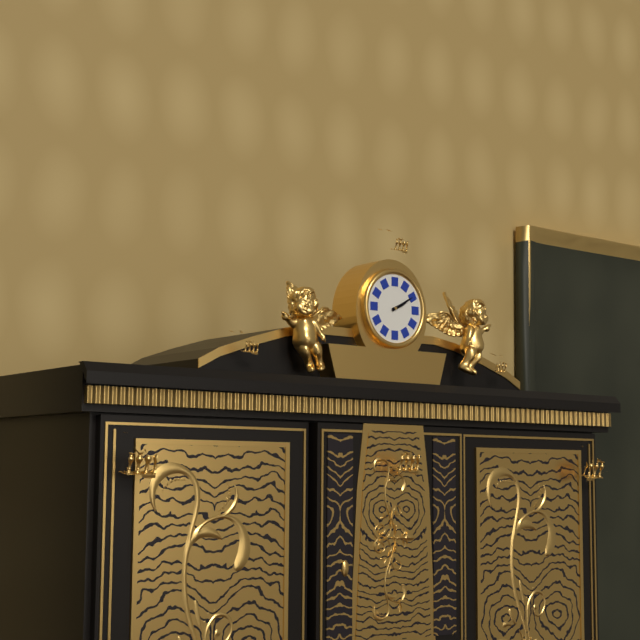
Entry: h=2 m=10
